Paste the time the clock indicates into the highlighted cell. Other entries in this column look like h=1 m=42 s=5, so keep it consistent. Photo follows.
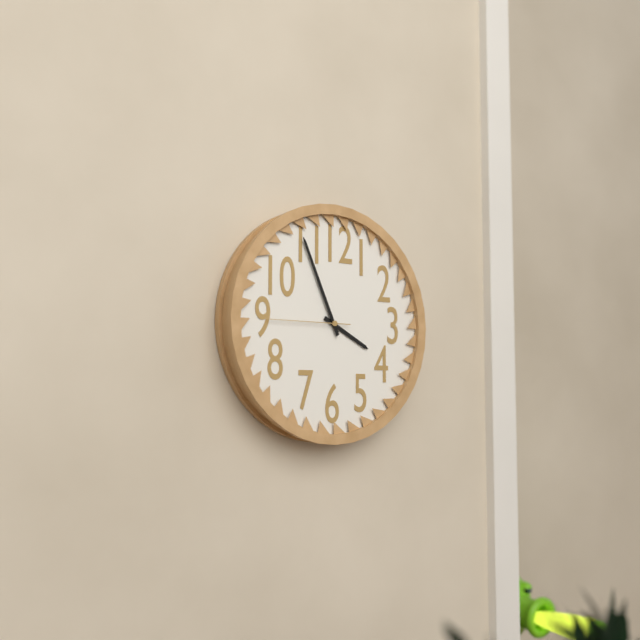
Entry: h=3 m=56 s=45
